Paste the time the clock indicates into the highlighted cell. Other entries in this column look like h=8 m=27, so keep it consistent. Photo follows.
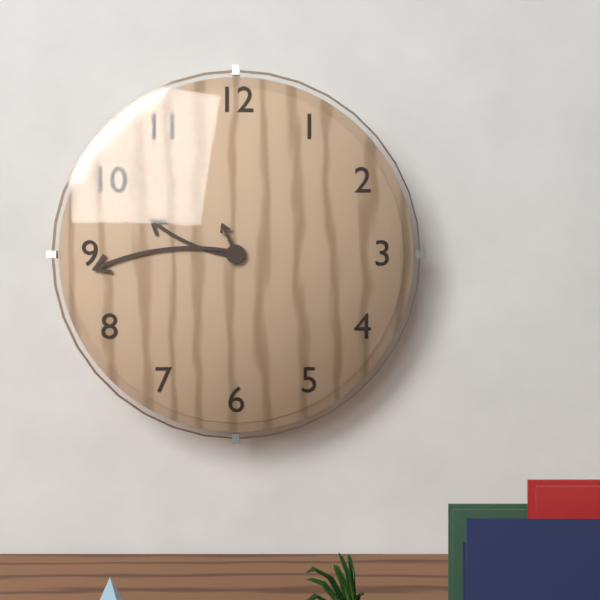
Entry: h=9 m=44
